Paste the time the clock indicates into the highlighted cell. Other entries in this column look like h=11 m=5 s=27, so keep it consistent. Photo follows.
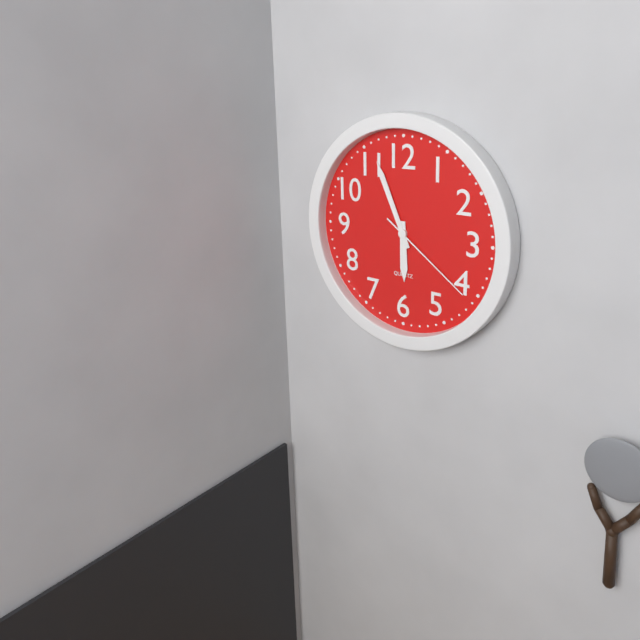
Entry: h=5 m=56 s=21
